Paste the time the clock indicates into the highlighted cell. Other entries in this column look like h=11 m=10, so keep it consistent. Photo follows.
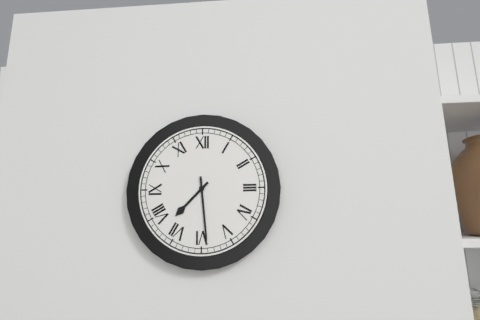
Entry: h=7 m=29
